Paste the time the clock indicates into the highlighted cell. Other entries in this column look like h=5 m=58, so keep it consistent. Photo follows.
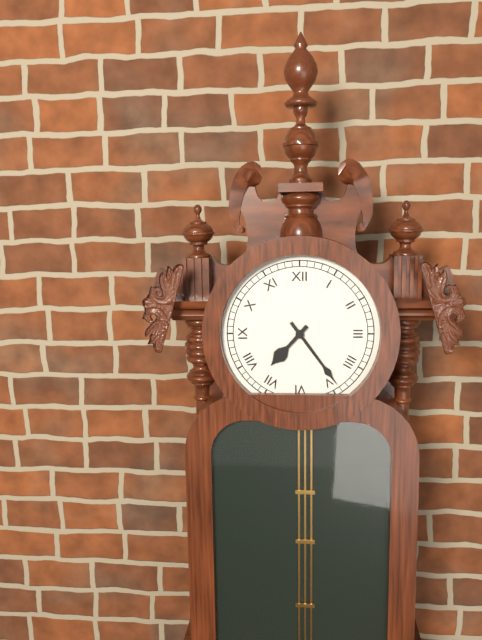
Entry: h=7 m=24
